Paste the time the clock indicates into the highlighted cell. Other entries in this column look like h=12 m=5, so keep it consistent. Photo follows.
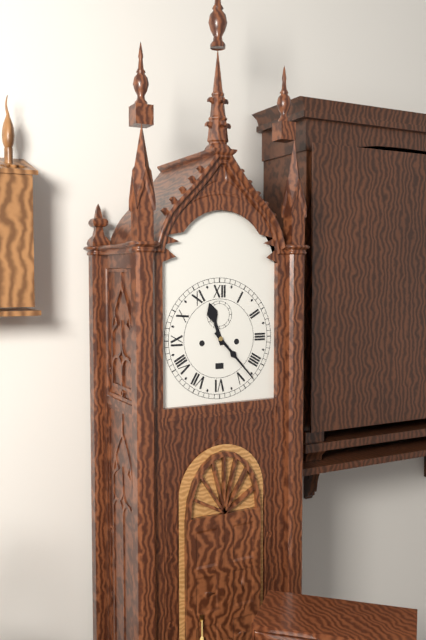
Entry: h=11 m=23
